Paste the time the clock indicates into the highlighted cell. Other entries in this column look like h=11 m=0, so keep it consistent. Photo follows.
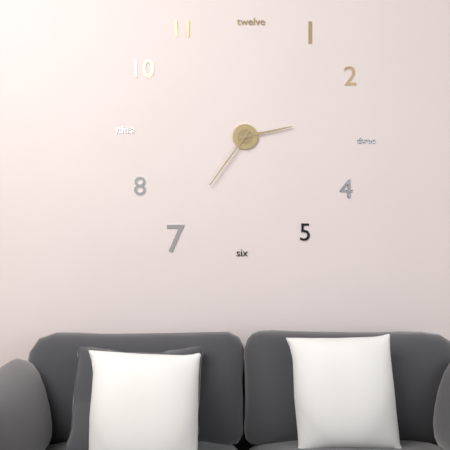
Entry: h=2 m=36
